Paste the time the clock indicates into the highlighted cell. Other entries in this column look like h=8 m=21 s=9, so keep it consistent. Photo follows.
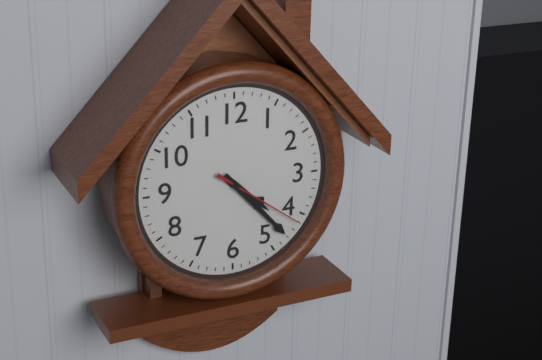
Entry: h=4 m=23 s=21
